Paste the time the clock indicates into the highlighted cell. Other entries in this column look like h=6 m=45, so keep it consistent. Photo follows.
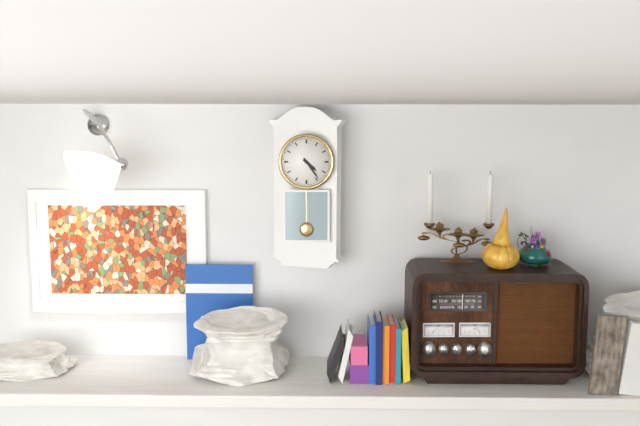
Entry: h=4 m=24
